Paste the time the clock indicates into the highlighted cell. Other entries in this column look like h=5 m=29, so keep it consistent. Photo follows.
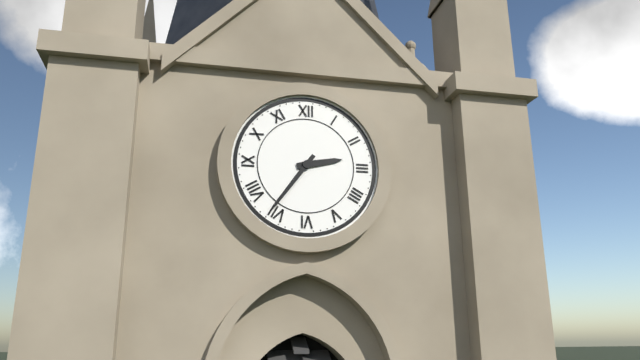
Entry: h=2 m=36
